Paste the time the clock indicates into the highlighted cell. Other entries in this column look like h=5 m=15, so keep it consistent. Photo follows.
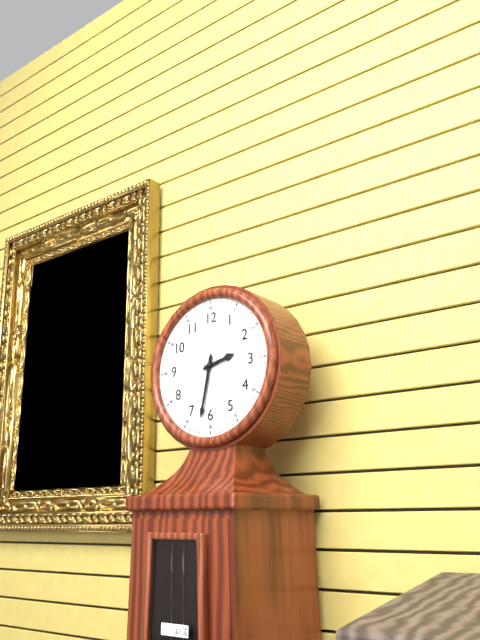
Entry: h=2 m=32
